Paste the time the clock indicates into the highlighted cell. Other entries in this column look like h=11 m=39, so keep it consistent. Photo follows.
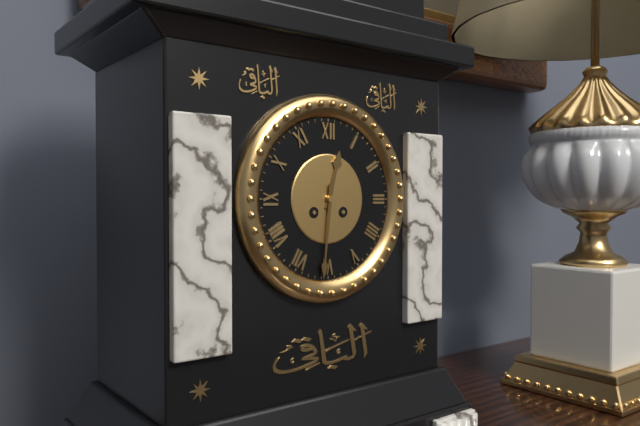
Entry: h=12 m=31
